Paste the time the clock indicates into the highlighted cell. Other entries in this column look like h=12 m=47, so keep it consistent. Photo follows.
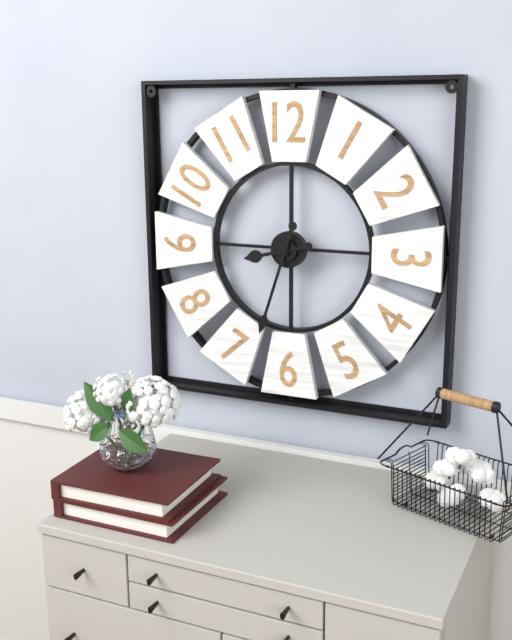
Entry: h=8 m=33
